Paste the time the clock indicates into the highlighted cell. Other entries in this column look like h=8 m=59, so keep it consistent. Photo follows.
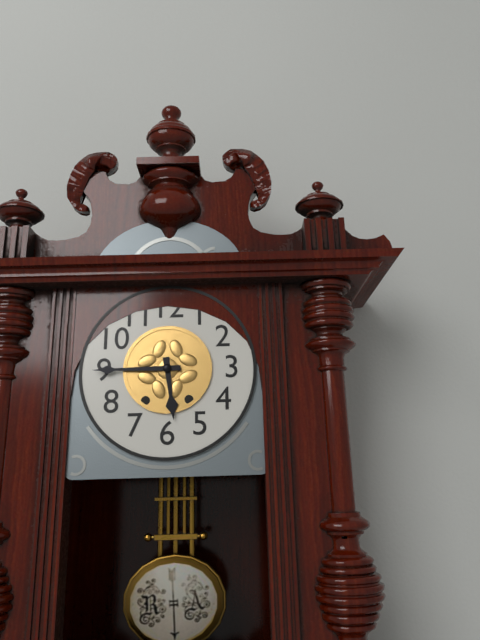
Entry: h=5 m=45
